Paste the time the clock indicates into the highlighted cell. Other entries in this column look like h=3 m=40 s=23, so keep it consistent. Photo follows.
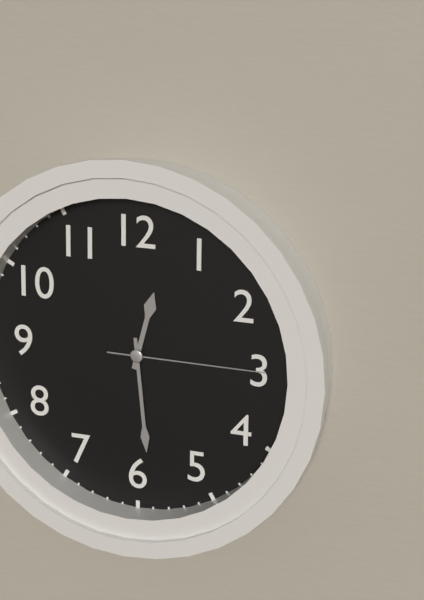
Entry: h=12 m=29 s=15
